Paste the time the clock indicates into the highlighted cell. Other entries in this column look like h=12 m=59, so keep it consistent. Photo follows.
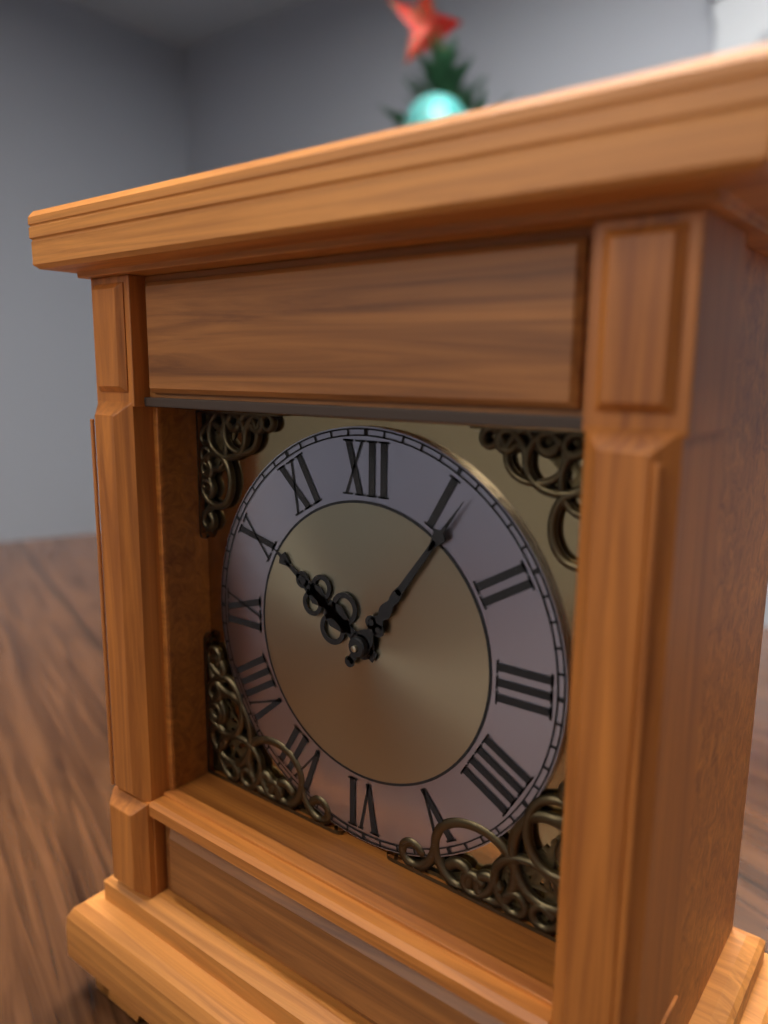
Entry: h=10 m=6
